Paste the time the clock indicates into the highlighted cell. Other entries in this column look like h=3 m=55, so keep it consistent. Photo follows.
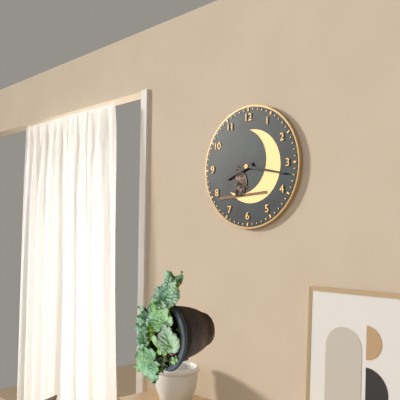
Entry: h=8 m=17
